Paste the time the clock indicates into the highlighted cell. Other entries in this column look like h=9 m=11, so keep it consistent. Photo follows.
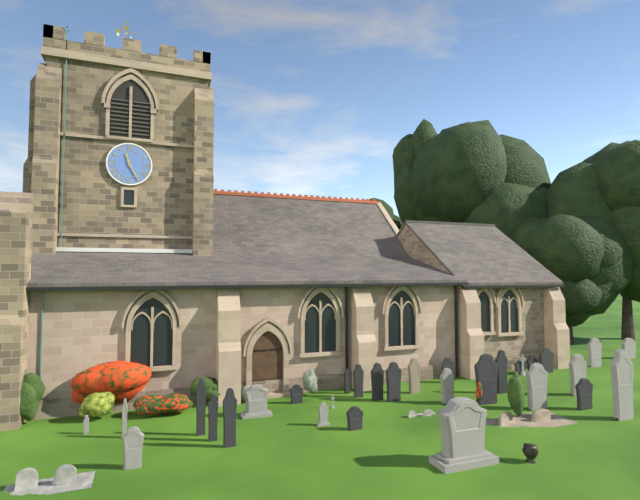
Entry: h=11 m=25
